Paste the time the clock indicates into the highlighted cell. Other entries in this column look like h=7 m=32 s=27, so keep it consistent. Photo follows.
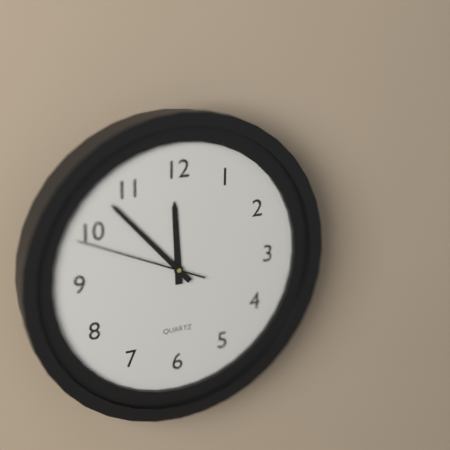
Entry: h=11 m=53 s=49
